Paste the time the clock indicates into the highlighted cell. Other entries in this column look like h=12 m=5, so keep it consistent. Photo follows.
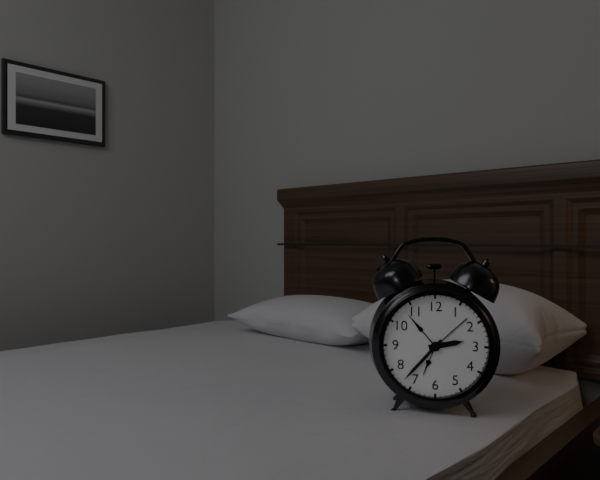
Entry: h=2 m=37
